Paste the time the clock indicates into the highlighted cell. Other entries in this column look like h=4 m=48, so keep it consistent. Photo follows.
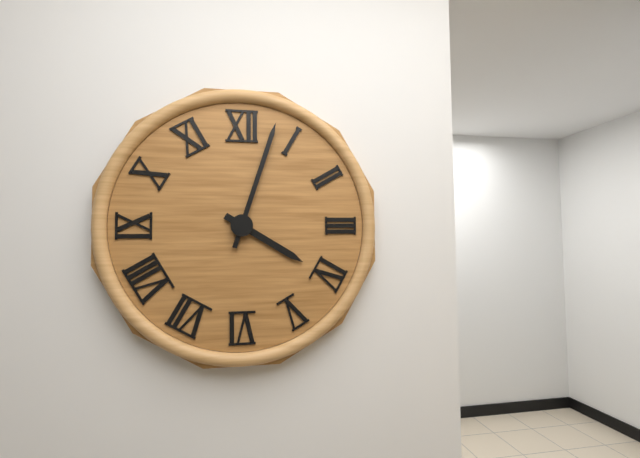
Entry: h=4 m=3
